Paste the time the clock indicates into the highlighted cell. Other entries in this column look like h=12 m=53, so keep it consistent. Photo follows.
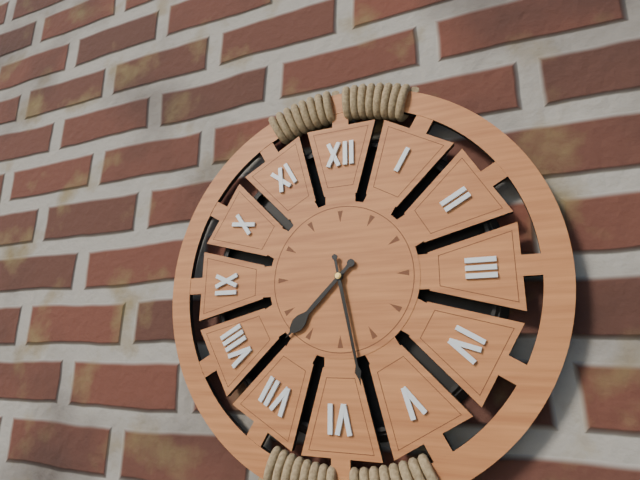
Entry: h=7 m=28
